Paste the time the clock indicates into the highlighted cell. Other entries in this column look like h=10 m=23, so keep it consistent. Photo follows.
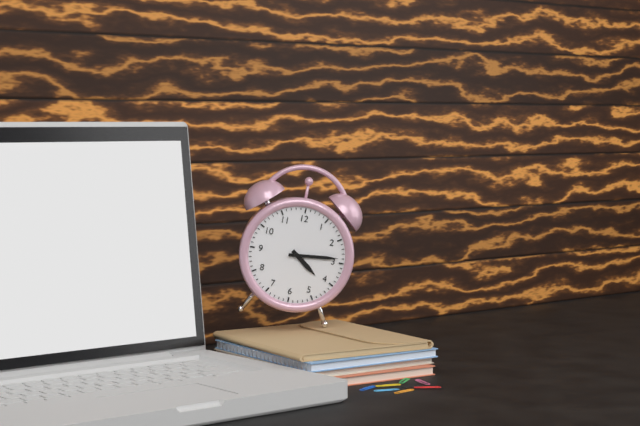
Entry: h=4 m=14
